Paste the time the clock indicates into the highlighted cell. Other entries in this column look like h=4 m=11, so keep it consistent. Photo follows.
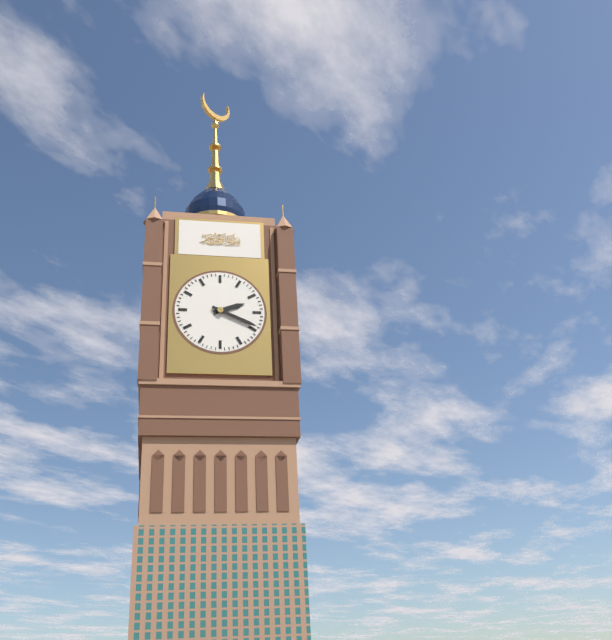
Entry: h=2 m=19
